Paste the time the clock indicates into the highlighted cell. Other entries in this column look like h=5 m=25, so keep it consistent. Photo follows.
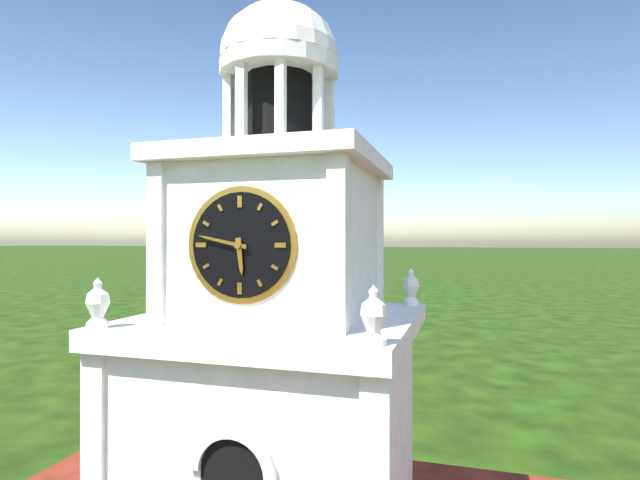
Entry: h=5 m=47
